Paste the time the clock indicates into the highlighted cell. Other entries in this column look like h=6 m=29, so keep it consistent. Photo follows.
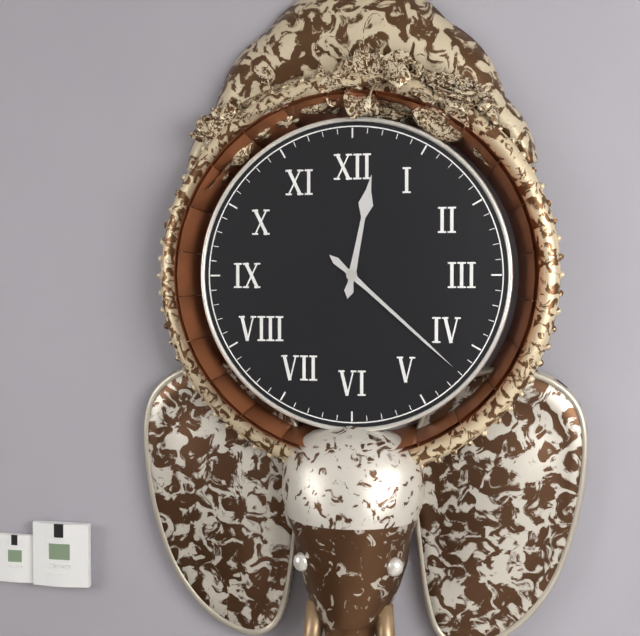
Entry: h=12 m=22
